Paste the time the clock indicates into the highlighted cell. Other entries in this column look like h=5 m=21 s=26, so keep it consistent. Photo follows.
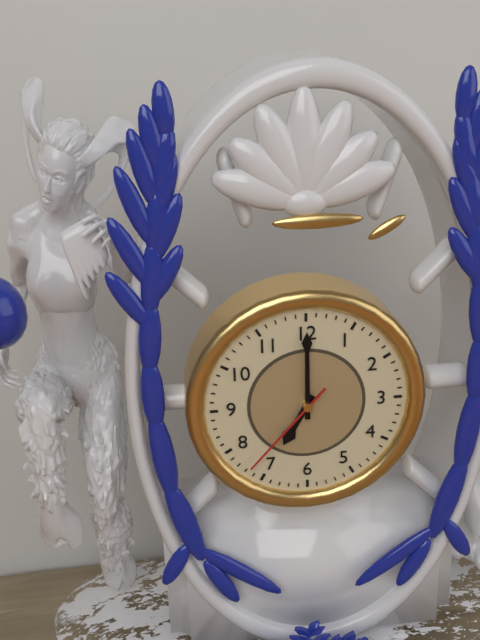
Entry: h=7 m=0 s=37
